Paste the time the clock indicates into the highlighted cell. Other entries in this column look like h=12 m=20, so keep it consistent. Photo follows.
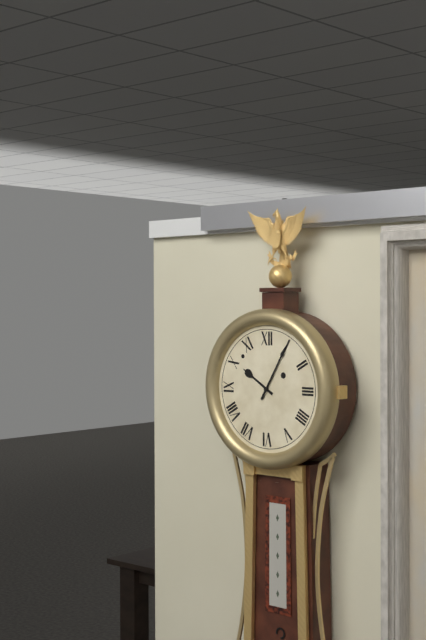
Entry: h=10 m=5
